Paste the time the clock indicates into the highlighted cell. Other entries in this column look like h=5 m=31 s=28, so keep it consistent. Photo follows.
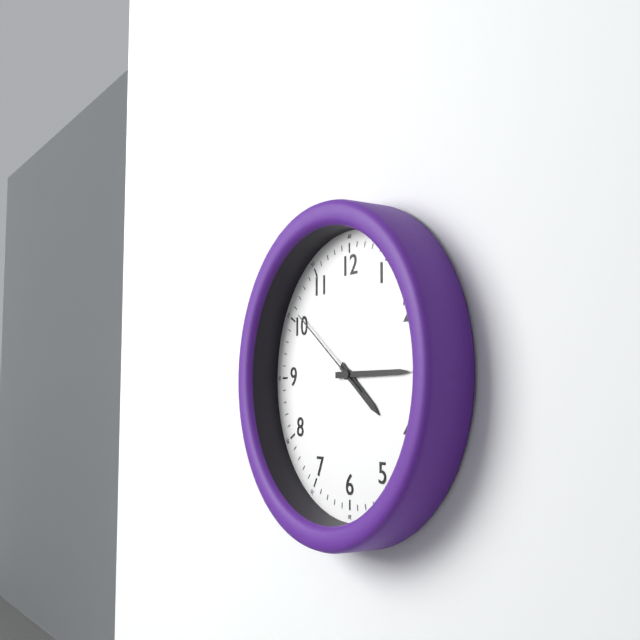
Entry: h=4 m=15 s=51
